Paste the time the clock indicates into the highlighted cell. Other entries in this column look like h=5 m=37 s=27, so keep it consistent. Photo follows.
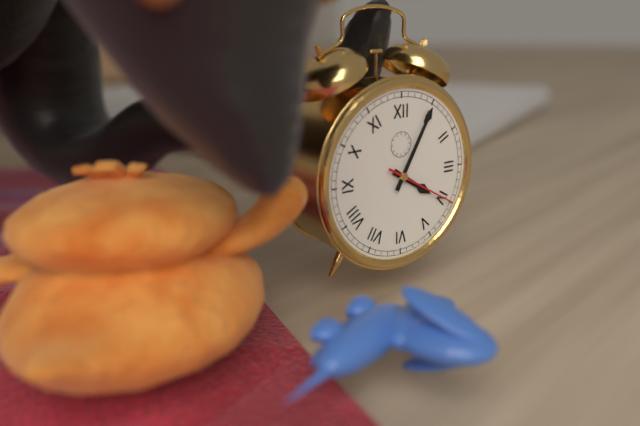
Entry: h=4 m=5 s=20
